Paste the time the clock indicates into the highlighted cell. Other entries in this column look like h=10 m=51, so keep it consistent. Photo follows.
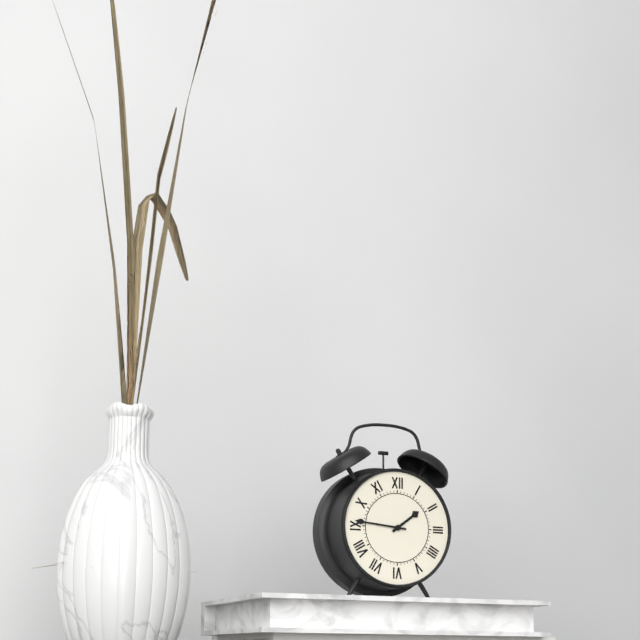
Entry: h=1 m=46
